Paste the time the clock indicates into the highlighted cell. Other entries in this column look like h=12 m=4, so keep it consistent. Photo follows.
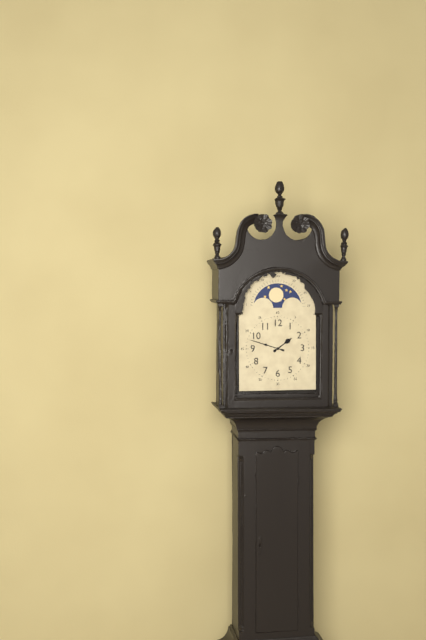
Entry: h=1 m=48
